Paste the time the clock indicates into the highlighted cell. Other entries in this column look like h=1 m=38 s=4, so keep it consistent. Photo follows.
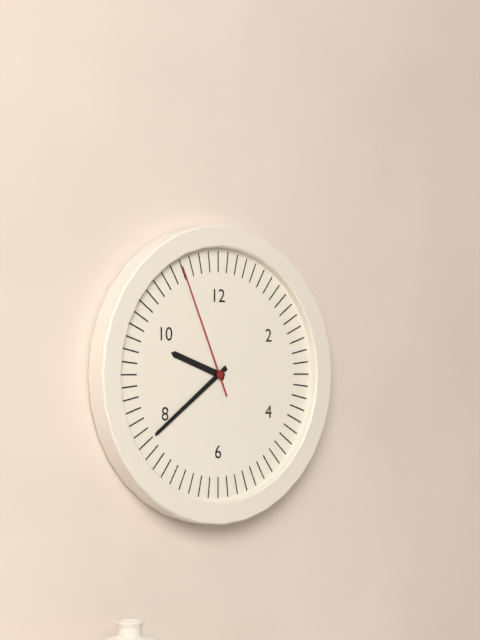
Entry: h=9 m=39 s=56
